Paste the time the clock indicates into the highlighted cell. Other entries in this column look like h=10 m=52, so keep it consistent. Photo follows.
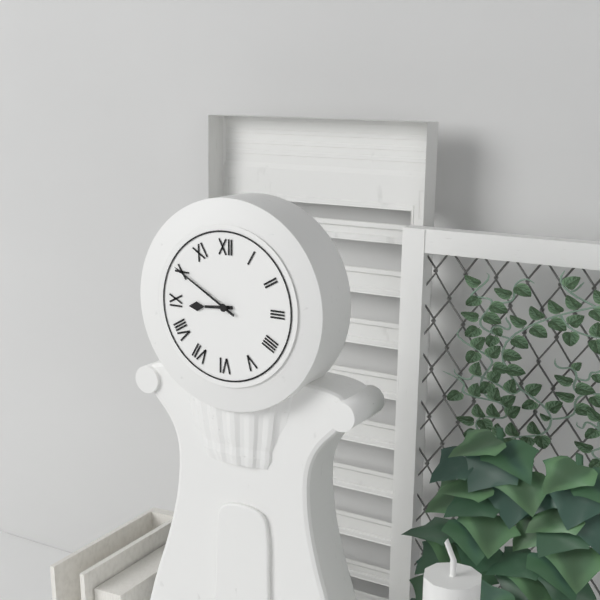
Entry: h=8 m=50
